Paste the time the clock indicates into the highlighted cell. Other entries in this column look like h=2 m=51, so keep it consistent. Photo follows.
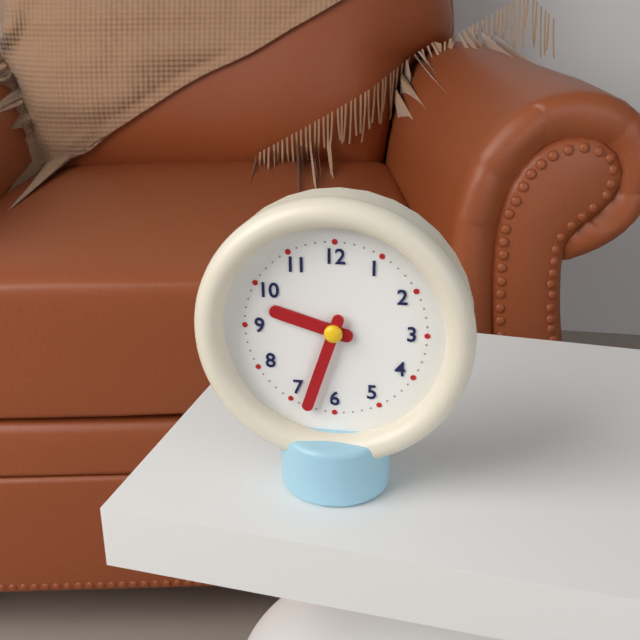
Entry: h=9 m=33
